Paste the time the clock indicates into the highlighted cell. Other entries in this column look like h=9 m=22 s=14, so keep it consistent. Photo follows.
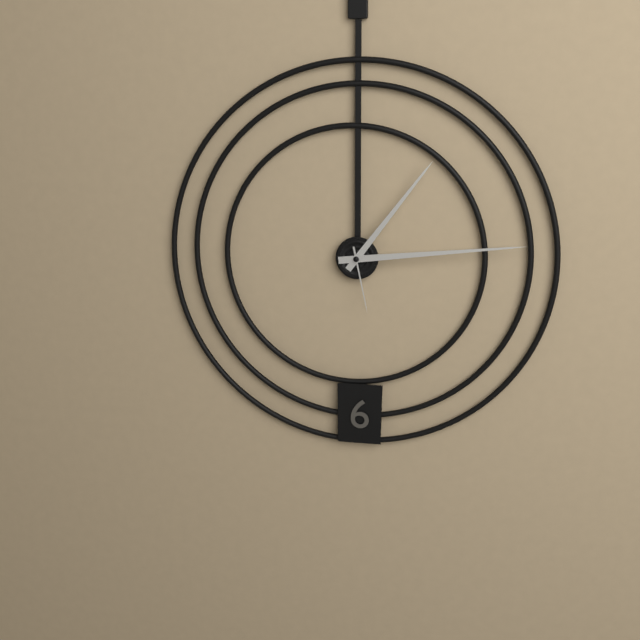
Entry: h=1 m=14 s=28
